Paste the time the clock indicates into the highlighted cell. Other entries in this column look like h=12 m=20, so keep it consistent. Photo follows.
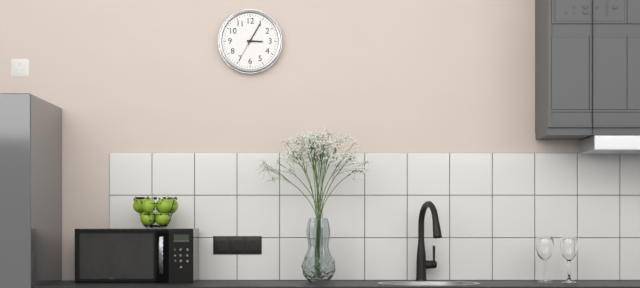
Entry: h=3 m=5
